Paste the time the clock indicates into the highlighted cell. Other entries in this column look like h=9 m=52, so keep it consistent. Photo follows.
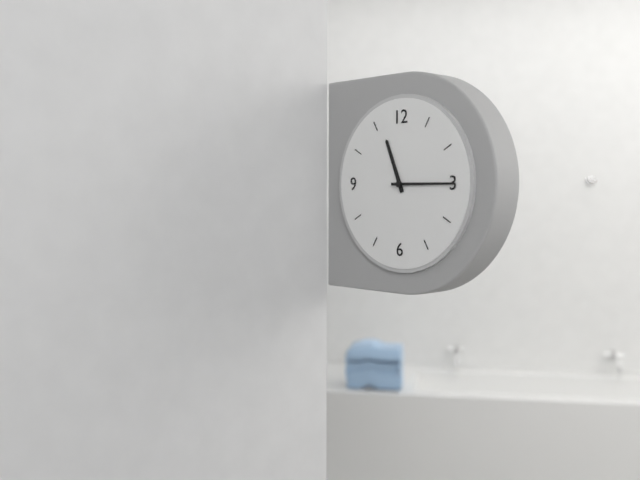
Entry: h=11 m=15
